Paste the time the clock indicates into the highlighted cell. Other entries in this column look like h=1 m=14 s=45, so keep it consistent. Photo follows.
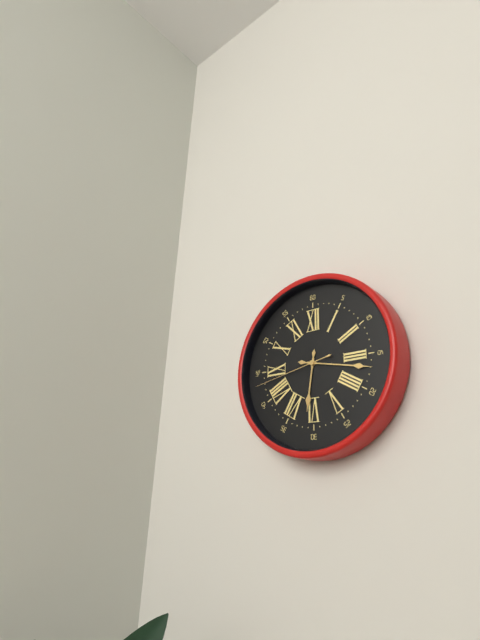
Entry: h=6 m=17 s=43
